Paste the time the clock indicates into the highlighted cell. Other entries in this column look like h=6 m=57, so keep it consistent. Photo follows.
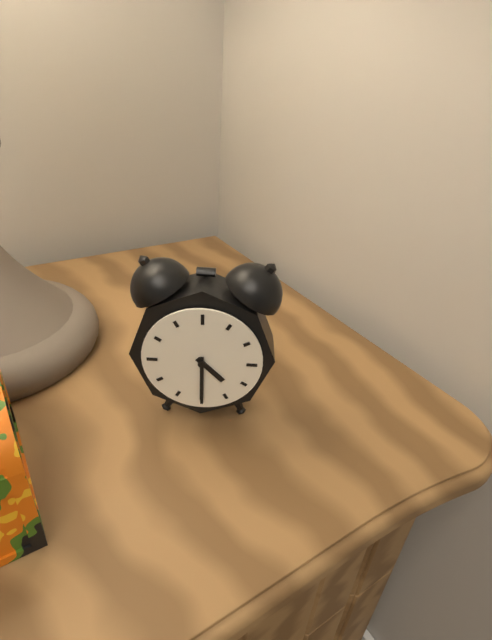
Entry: h=4 m=30
